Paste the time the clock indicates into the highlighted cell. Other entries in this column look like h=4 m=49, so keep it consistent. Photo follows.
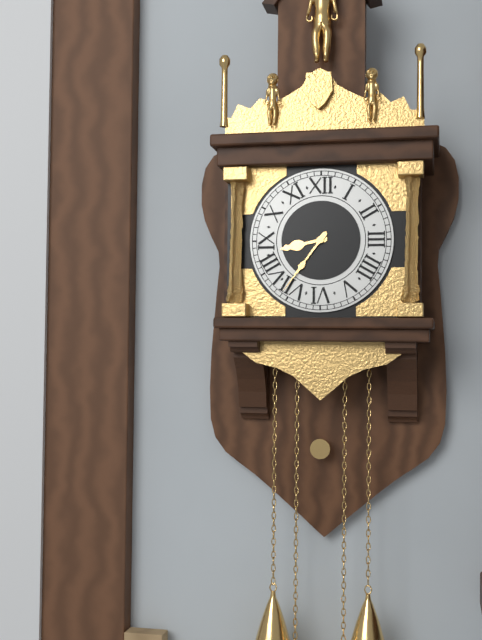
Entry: h=8 m=36
